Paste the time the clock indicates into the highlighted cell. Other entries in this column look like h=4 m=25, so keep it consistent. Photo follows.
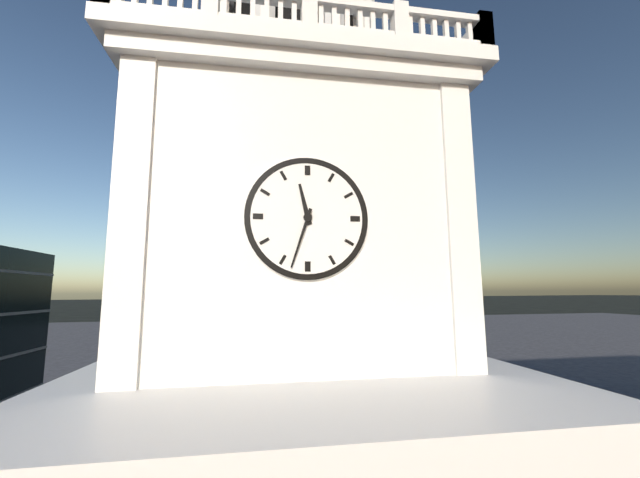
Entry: h=11 m=33
